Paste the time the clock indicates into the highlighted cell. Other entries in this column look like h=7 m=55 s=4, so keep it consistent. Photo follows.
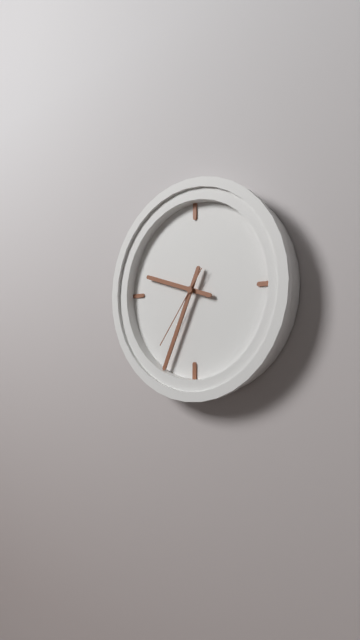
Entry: h=9 m=34 s=36
